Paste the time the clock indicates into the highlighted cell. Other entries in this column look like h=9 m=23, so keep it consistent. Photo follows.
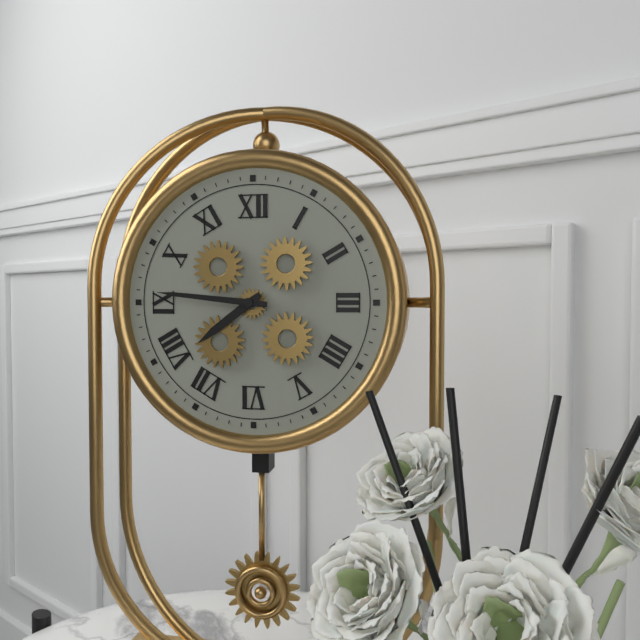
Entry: h=7 m=46
